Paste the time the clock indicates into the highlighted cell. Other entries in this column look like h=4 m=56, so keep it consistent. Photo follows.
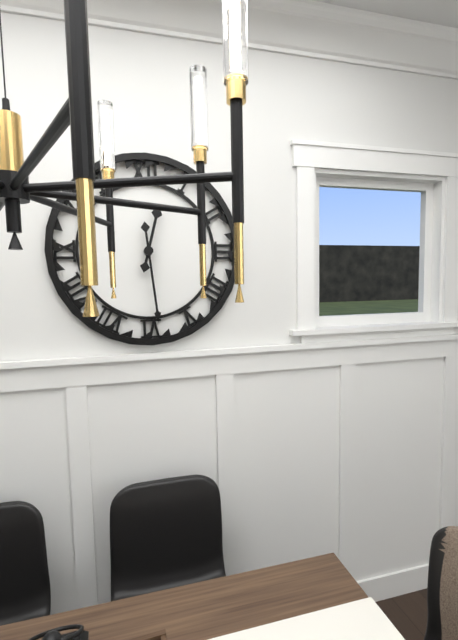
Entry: h=12 m=29
